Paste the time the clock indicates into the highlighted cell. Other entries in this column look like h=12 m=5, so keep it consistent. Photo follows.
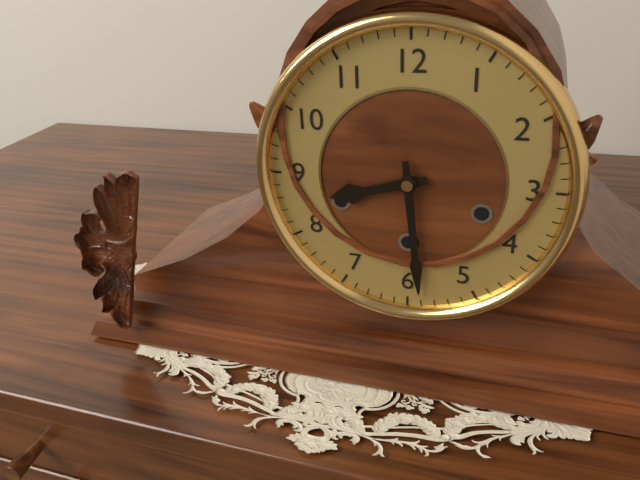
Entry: h=8 m=29
